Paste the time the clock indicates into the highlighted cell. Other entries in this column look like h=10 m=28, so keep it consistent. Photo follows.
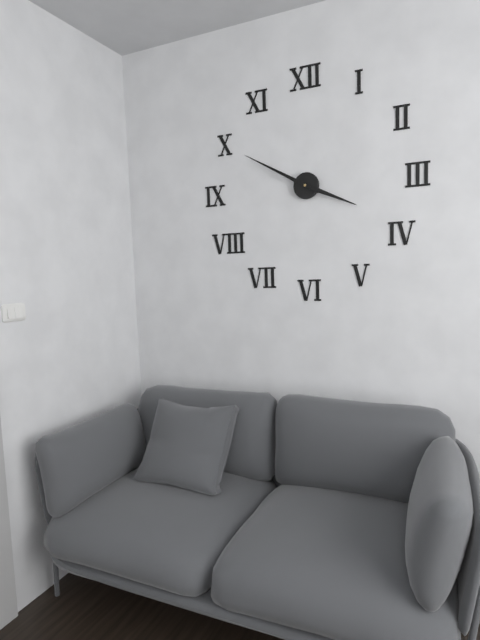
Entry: h=3 m=50
